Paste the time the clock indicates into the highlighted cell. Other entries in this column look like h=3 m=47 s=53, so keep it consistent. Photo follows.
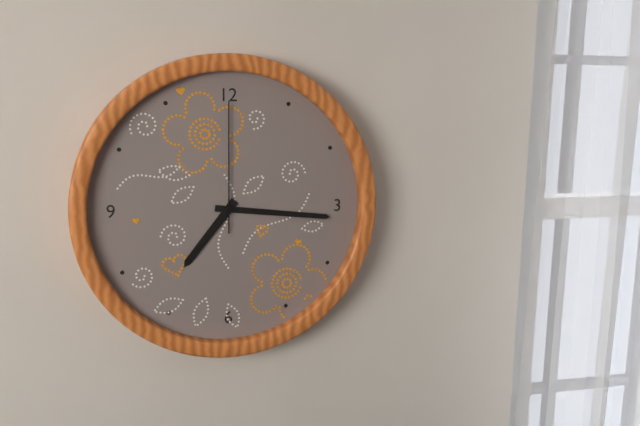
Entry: h=7 m=16 s=0
